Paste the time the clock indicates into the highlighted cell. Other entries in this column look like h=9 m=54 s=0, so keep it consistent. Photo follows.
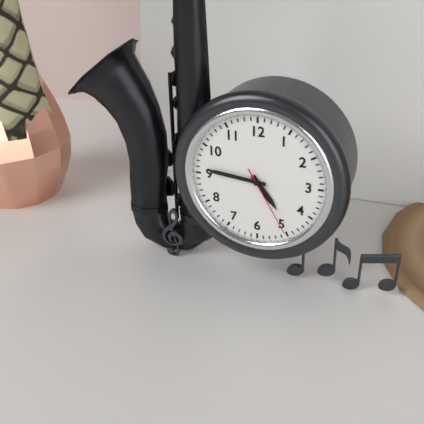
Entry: h=4 m=46 s=25
